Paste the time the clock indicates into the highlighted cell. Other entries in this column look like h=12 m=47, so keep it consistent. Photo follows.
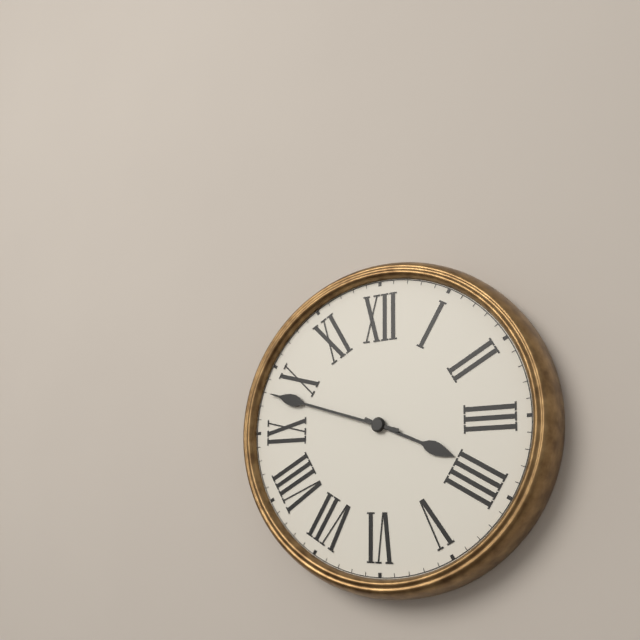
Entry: h=3 m=48
